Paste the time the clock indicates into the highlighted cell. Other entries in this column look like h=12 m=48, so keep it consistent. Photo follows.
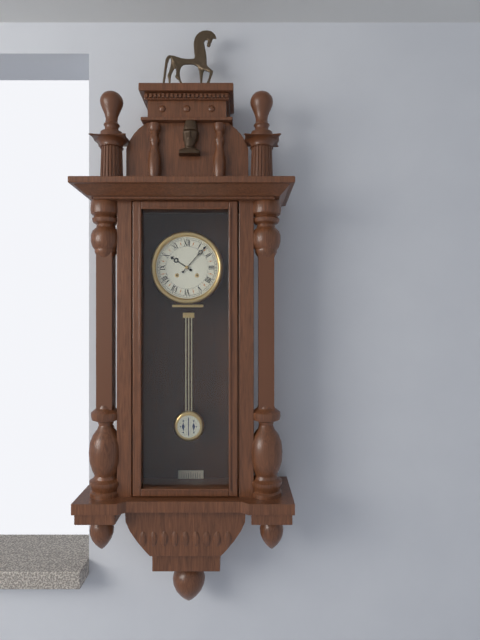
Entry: h=10 m=7
